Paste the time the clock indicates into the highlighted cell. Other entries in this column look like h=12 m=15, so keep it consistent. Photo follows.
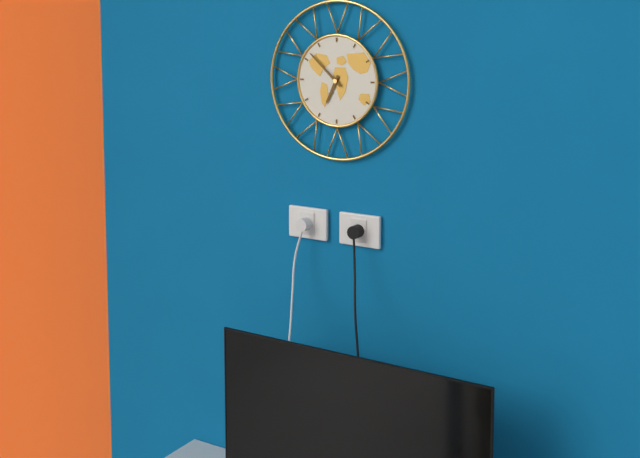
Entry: h=6 m=52
